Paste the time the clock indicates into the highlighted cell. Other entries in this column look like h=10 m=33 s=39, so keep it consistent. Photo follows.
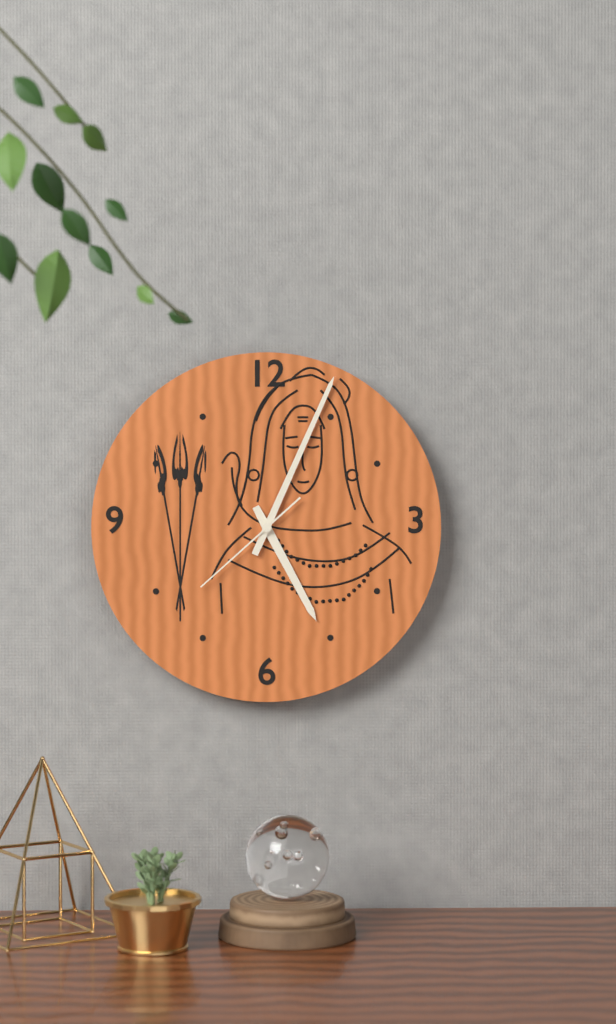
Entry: h=5 m=4 s=38
